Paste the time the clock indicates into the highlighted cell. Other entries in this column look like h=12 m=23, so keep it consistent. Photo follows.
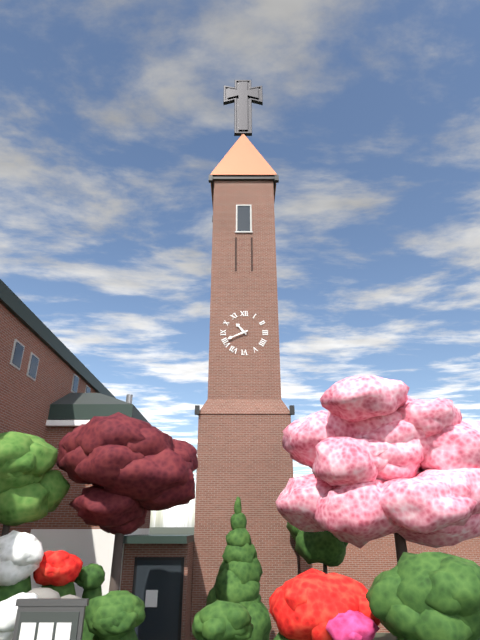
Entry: h=10 m=41
